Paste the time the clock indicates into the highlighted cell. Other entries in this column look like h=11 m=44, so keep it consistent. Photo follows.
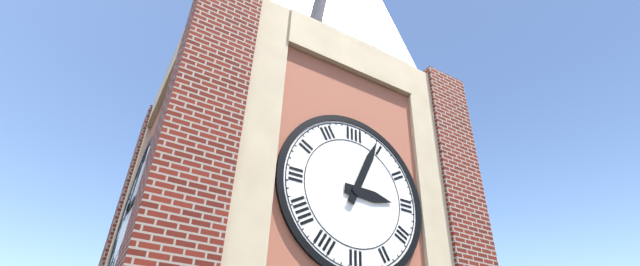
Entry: h=3 m=4
